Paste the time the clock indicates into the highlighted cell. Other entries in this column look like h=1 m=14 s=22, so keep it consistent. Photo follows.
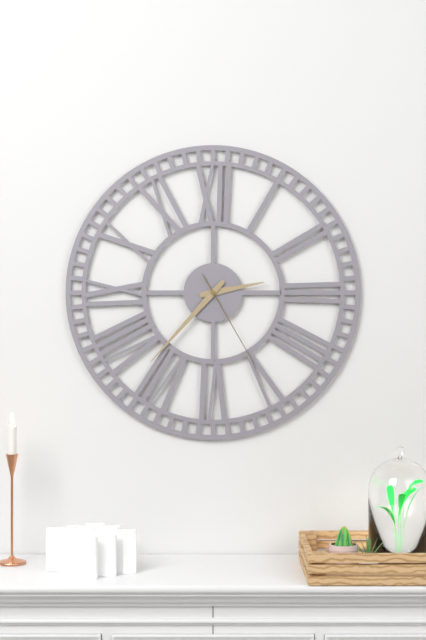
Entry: h=2 m=37 s=25
